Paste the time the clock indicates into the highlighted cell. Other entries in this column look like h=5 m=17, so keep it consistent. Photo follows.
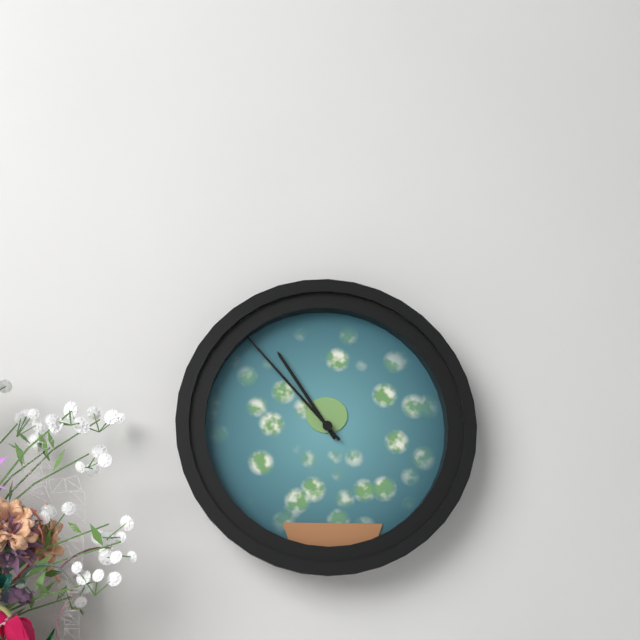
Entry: h=10 m=53
